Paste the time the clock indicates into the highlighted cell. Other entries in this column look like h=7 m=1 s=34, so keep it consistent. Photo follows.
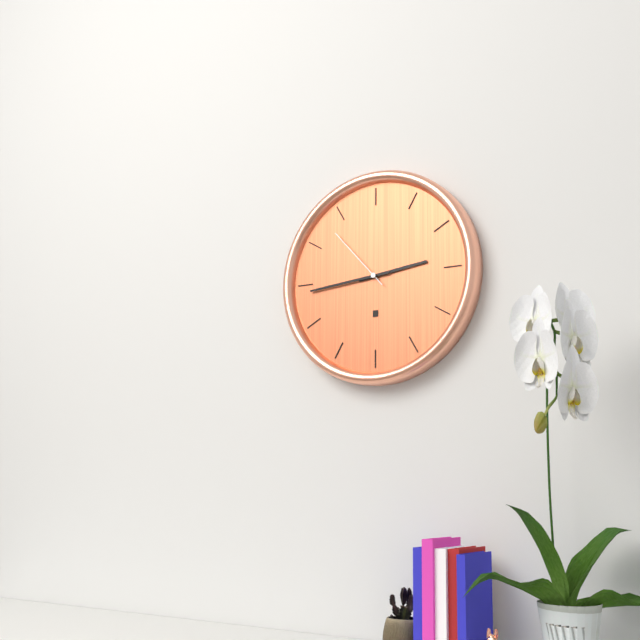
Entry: h=2 m=44 s=53
